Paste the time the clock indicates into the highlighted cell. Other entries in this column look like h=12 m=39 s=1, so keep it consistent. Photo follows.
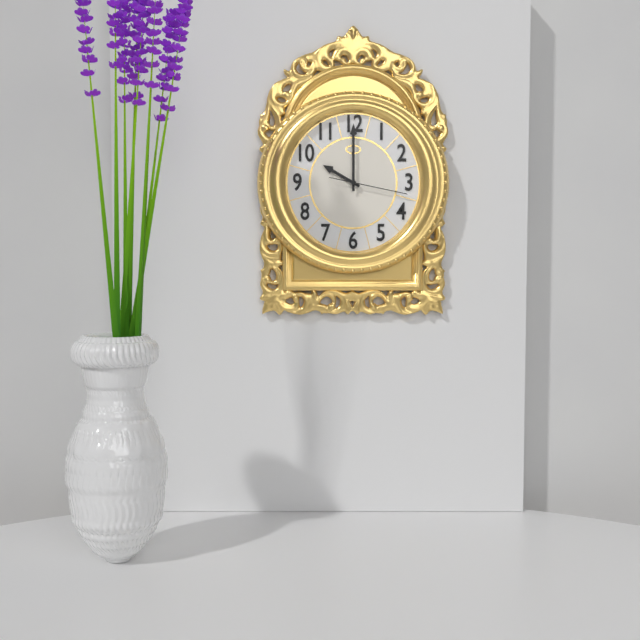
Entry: h=10 m=0 s=17
